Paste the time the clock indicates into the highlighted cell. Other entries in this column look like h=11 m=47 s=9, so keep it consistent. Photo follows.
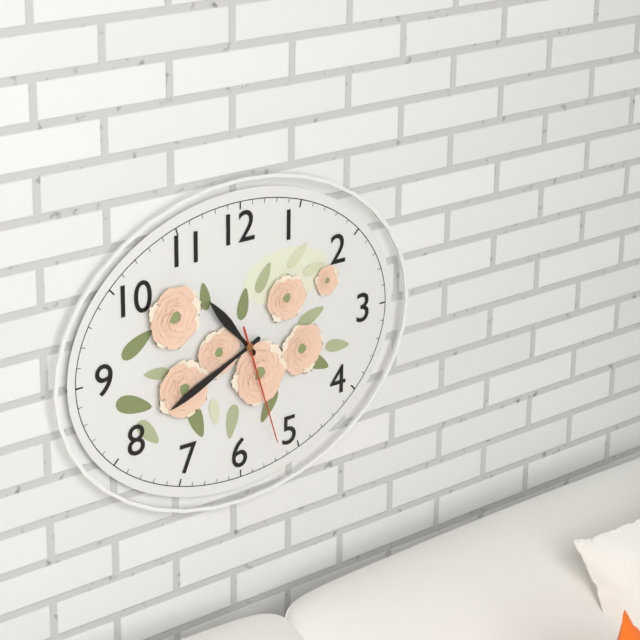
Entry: h=10 m=41 s=27
